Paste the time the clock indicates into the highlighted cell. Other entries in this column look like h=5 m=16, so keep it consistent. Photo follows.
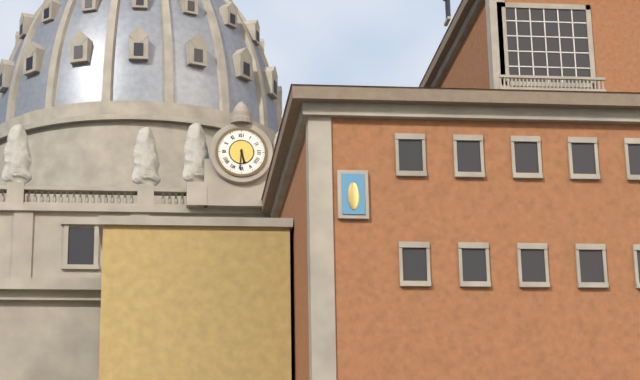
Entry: h=5 m=31
